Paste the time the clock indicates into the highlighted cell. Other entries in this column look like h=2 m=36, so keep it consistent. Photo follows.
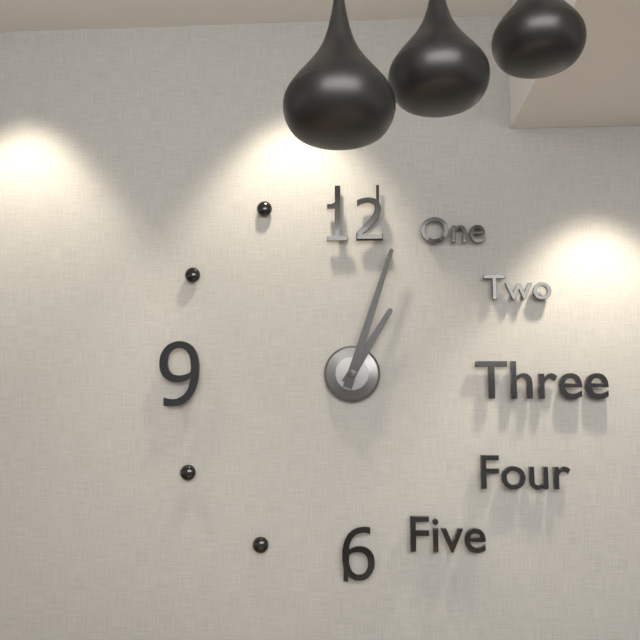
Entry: h=1 m=3
